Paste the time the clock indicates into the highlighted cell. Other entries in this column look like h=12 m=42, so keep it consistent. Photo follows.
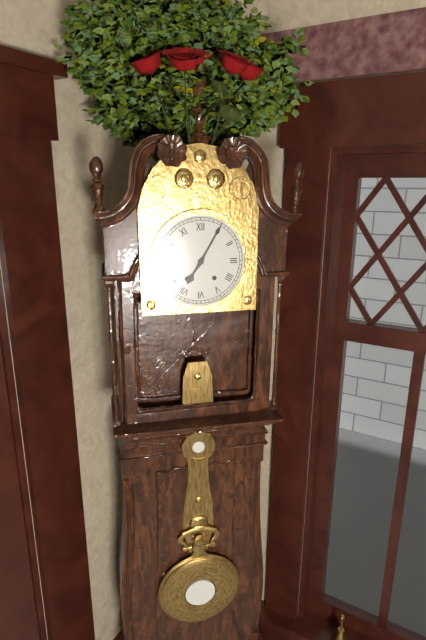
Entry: h=7 m=5
